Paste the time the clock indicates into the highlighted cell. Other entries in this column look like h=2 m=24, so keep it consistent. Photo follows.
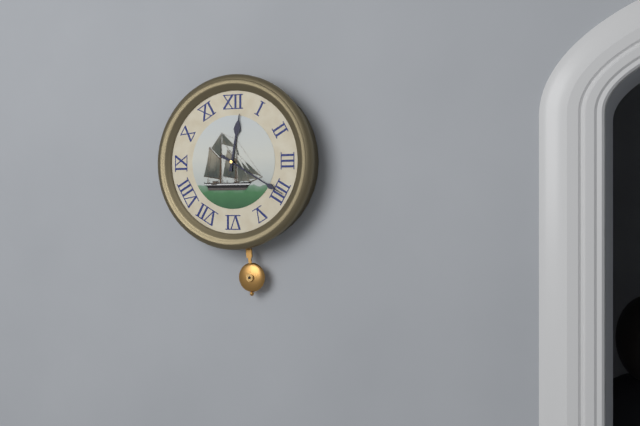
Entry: h=12 m=20
